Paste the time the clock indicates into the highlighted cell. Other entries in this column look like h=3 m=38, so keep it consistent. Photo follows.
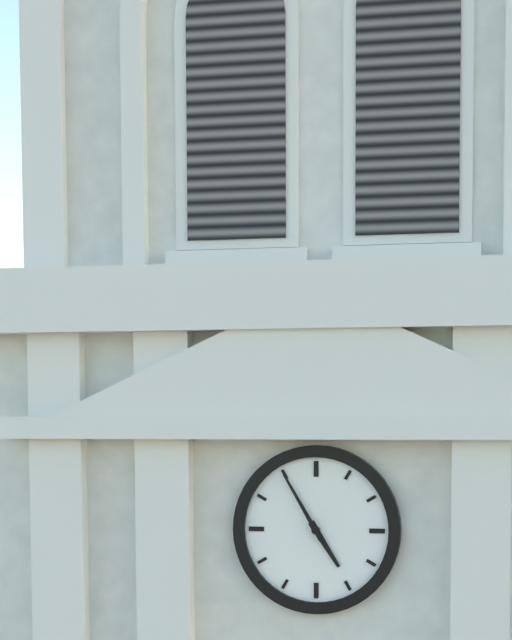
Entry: h=4 m=55
